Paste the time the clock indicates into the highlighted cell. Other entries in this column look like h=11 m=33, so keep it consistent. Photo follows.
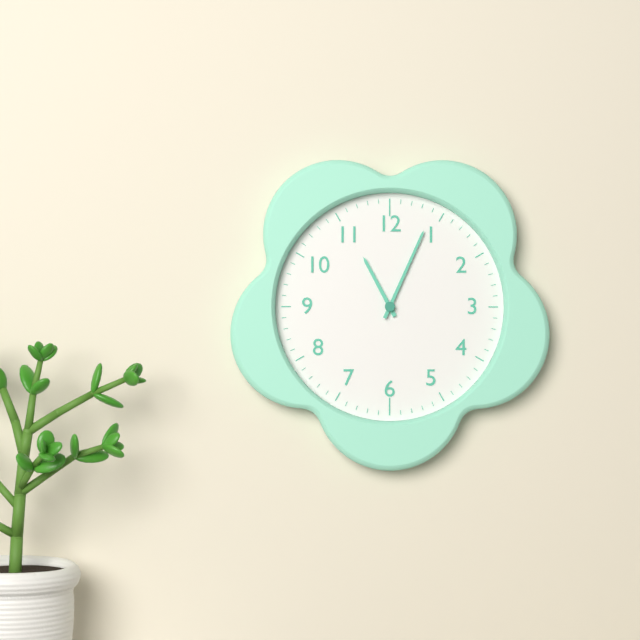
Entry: h=11 m=4
